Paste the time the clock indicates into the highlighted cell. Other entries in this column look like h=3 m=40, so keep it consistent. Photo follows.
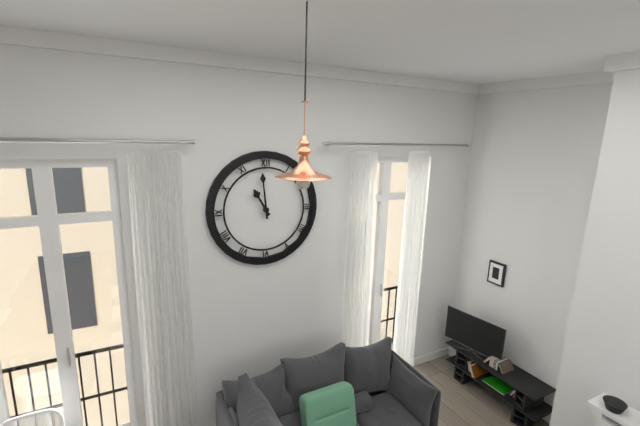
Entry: h=10 m=59
